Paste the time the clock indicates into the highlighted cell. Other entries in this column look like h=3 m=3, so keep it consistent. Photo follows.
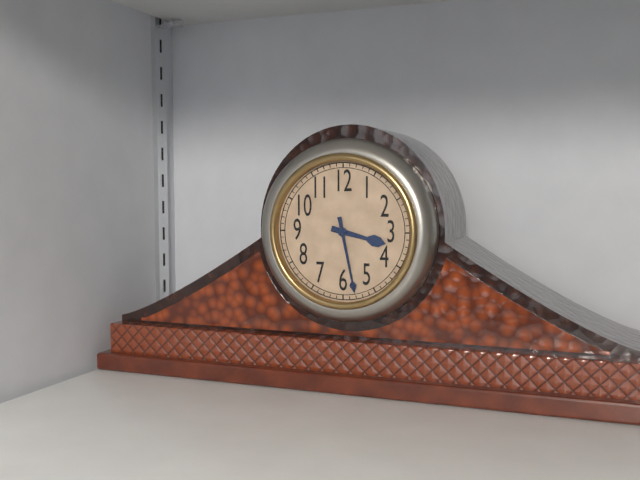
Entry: h=3 m=28
